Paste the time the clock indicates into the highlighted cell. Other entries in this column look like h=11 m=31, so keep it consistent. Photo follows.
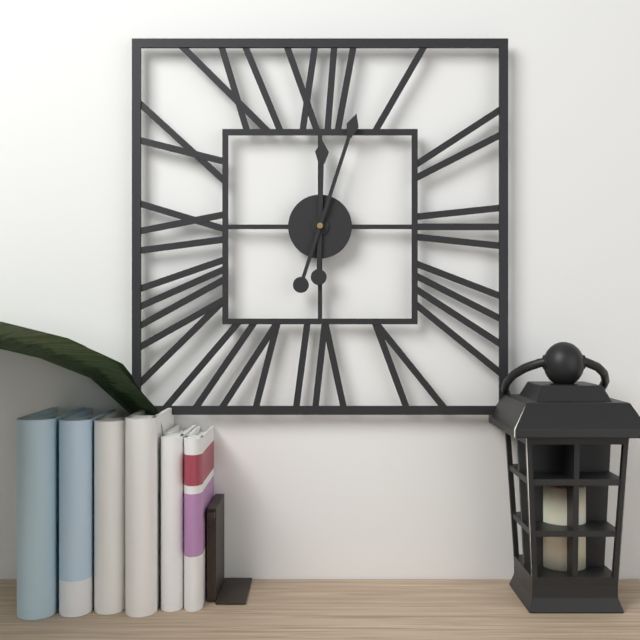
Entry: h=12 m=3
